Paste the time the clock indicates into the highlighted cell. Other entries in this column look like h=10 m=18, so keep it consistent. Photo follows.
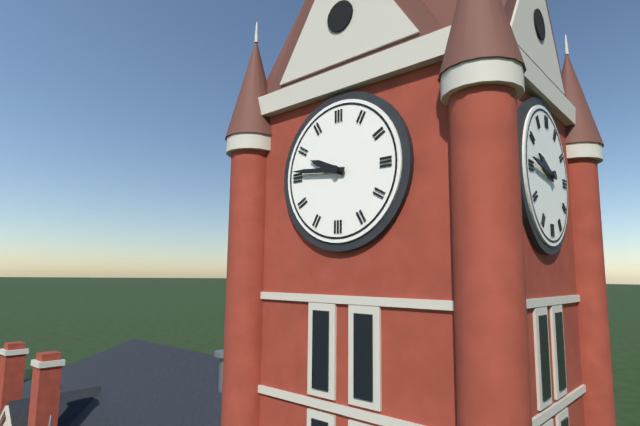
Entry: h=9 m=46
